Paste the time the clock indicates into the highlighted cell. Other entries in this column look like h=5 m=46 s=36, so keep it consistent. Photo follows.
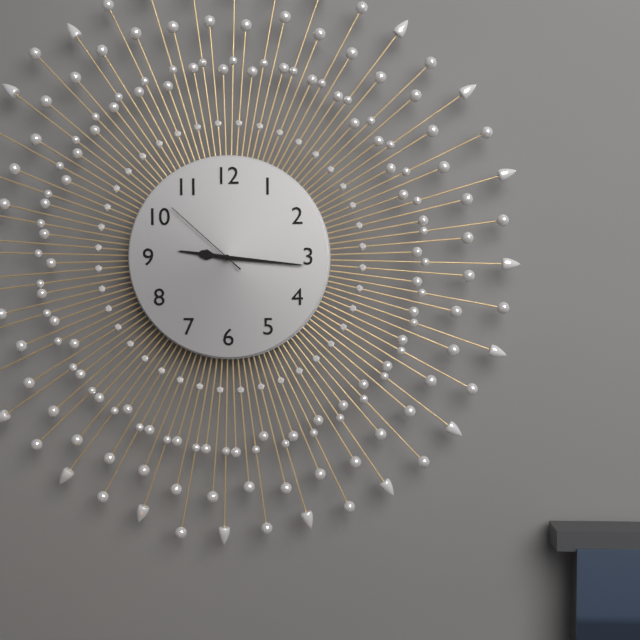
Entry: h=9 m=16 s=52
